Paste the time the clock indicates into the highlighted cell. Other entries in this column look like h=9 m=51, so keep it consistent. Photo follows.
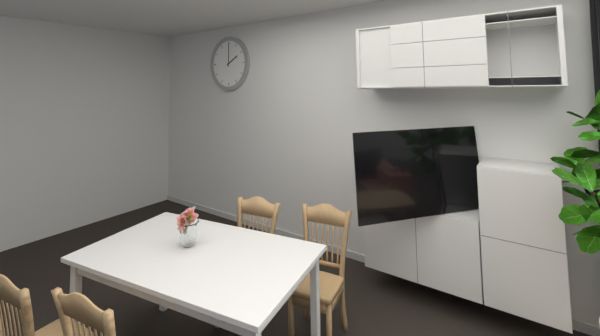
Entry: h=2 m=0
